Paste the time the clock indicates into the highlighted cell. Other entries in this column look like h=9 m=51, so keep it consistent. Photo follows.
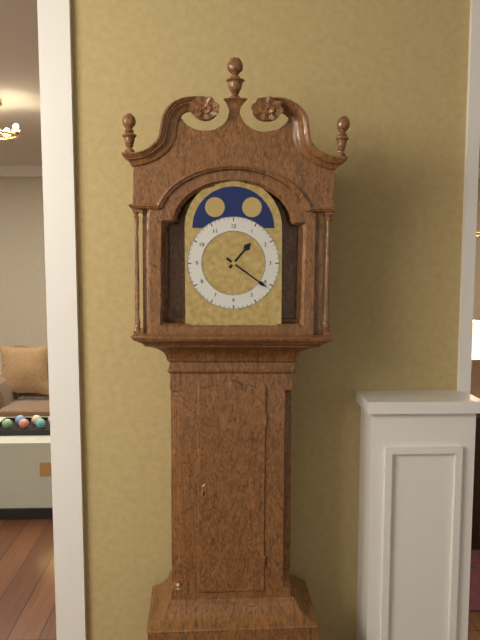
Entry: h=1 m=21
